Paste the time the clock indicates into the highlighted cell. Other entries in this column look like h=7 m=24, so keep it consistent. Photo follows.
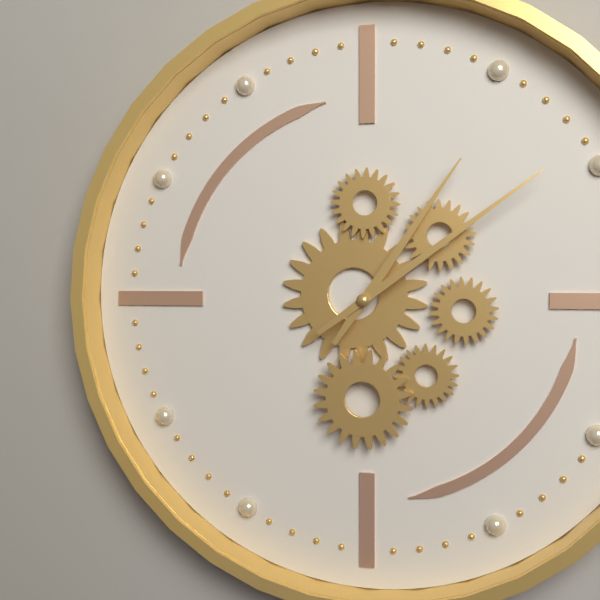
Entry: h=1 m=9
